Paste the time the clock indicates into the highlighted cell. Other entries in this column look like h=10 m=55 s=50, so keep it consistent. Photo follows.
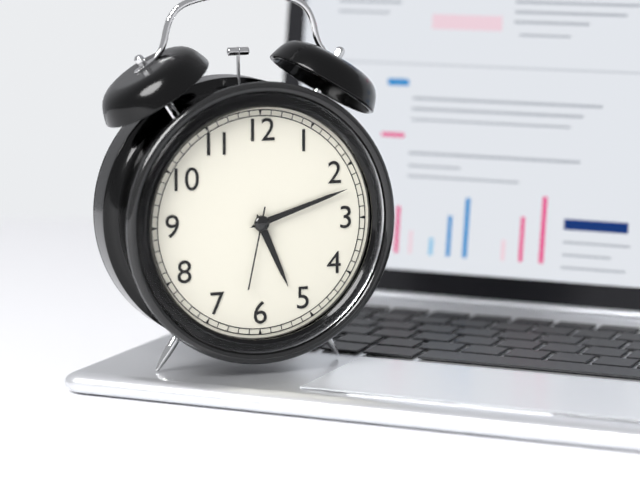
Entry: h=5 m=12 s=32
